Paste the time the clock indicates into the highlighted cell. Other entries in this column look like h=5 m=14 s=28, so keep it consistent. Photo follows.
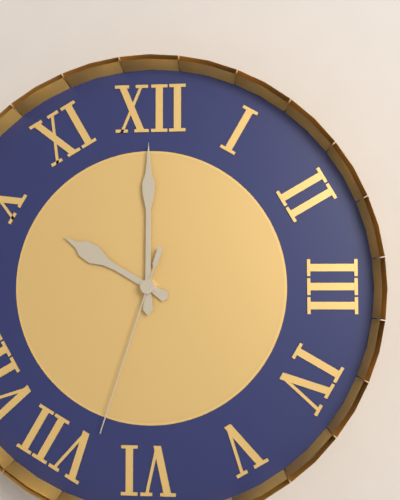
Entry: h=10 m=0 s=33
